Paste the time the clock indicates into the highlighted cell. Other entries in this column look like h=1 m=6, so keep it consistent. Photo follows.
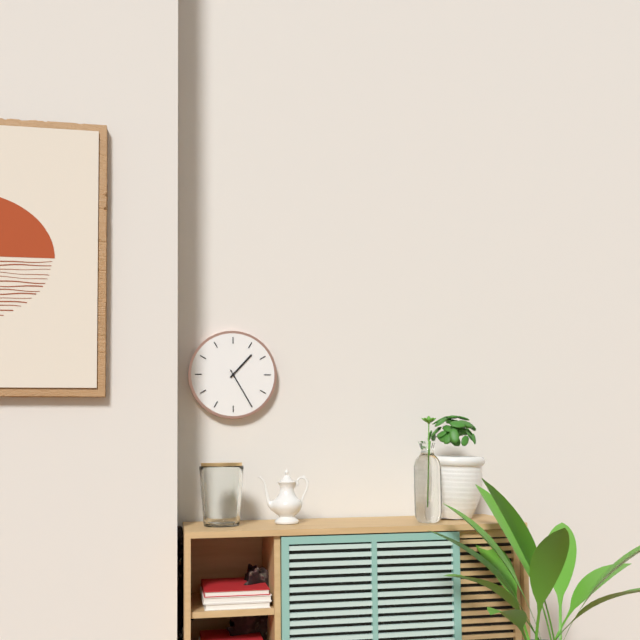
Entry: h=1 m=25
